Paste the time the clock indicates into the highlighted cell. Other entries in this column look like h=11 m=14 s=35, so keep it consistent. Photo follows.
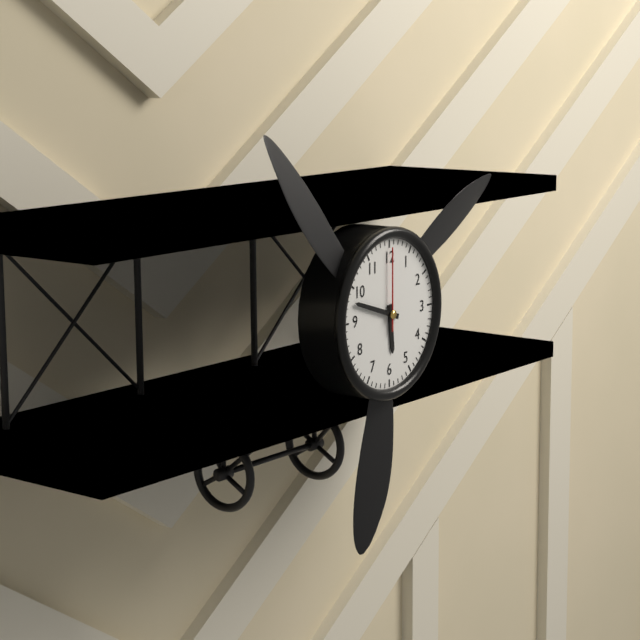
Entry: h=5 m=48 s=0
